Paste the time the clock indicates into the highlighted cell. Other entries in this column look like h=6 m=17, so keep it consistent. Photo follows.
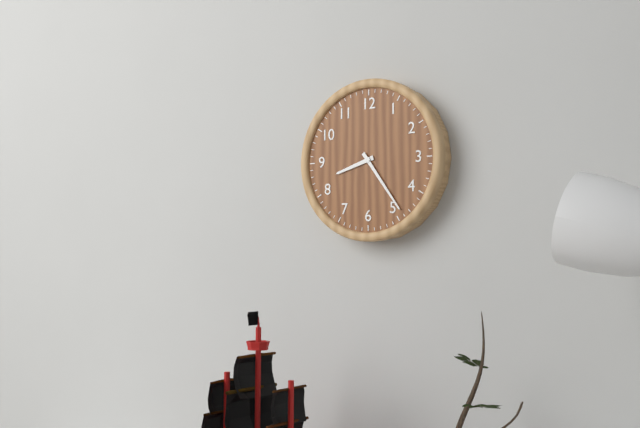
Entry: h=8 m=24
